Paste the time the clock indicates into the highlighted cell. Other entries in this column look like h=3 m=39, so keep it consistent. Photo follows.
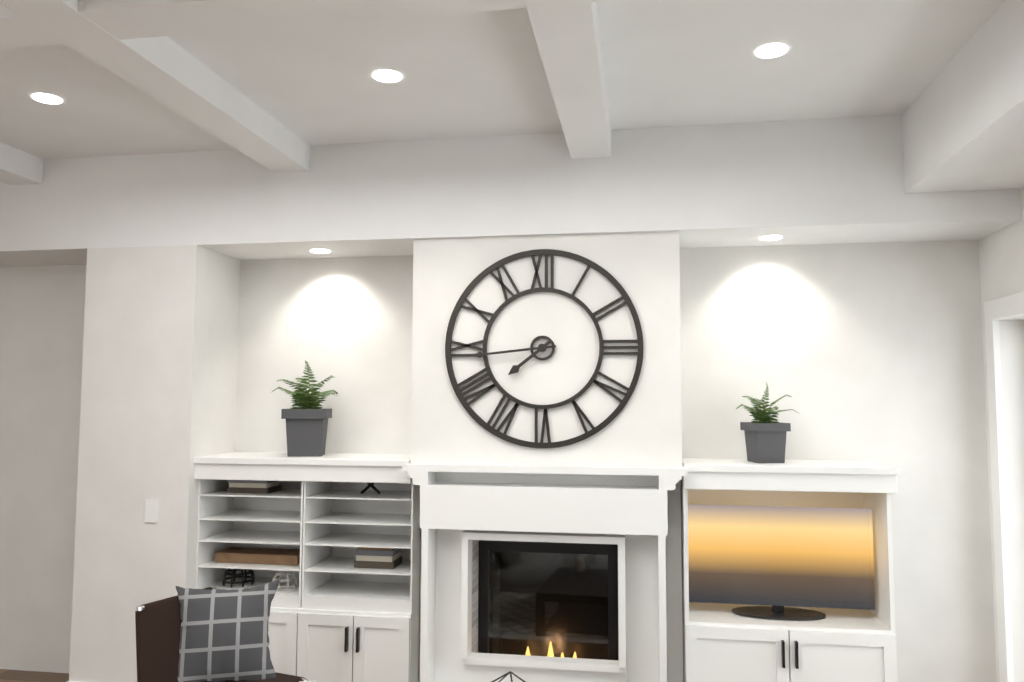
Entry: h=7 m=44
